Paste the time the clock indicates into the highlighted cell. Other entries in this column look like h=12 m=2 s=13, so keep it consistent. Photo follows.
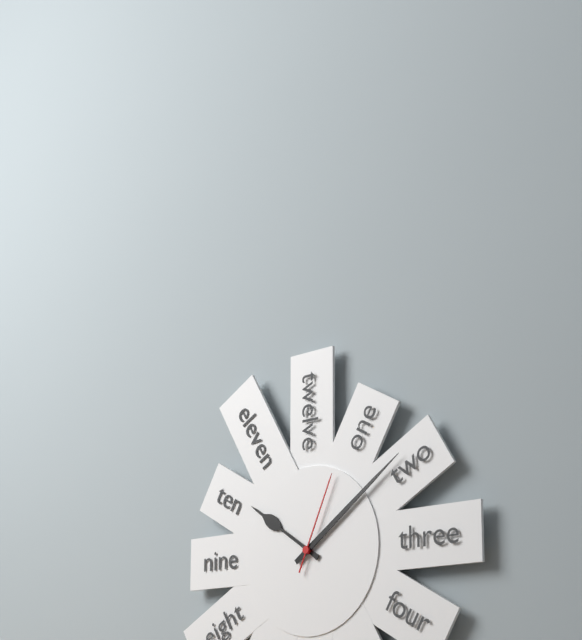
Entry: h=10 m=9 s=4
